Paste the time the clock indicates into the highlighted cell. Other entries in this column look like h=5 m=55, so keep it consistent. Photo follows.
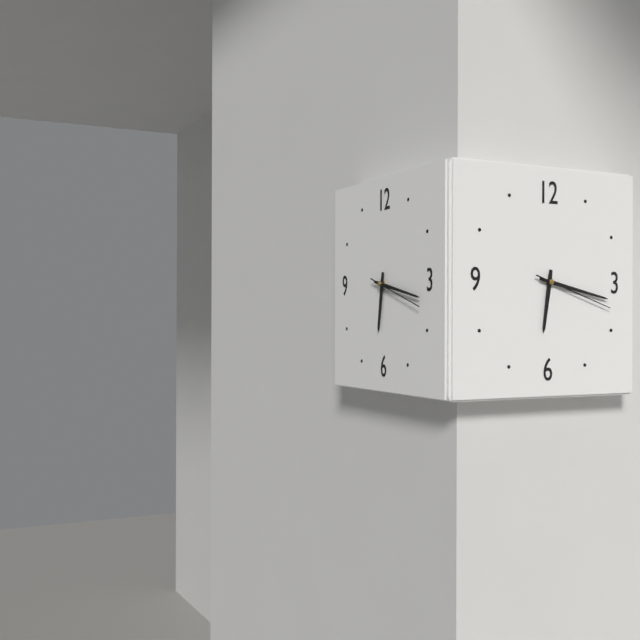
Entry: h=6 m=17
